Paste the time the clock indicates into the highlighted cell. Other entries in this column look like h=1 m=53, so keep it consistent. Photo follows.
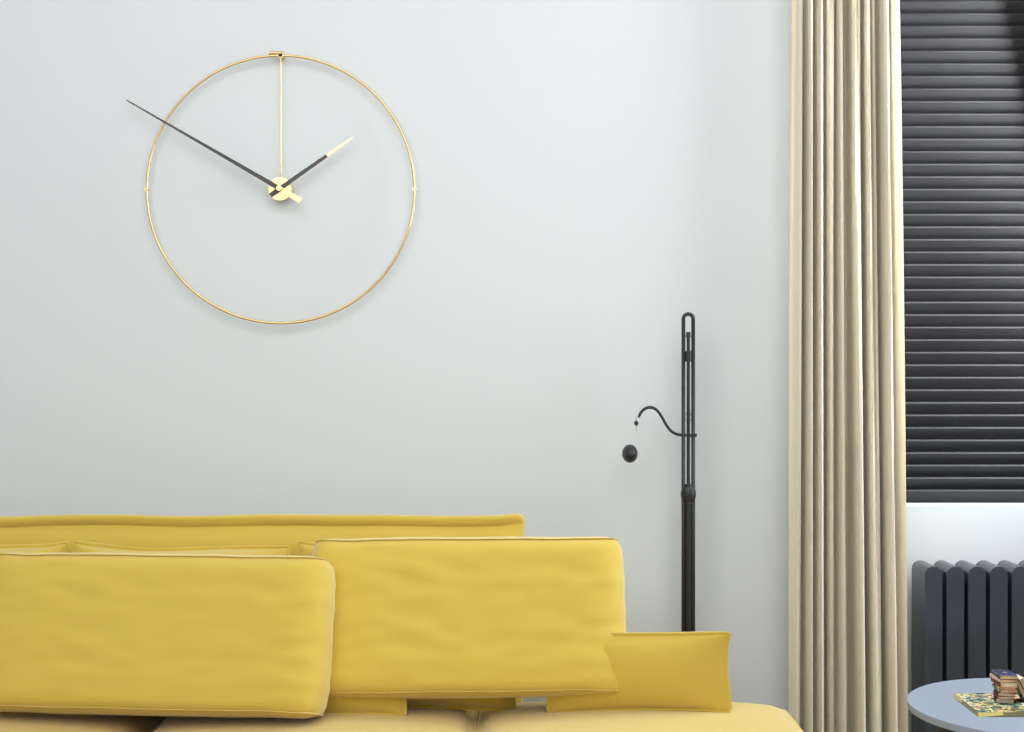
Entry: h=1 m=50
